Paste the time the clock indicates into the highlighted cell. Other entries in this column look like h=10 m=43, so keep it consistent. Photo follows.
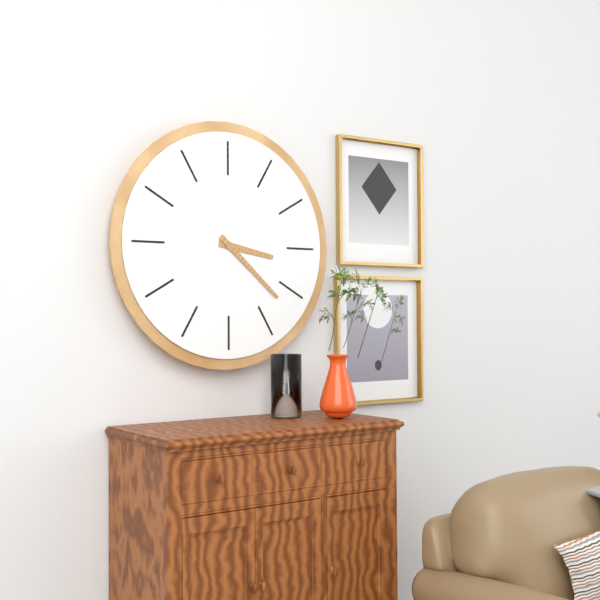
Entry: h=3 m=22
